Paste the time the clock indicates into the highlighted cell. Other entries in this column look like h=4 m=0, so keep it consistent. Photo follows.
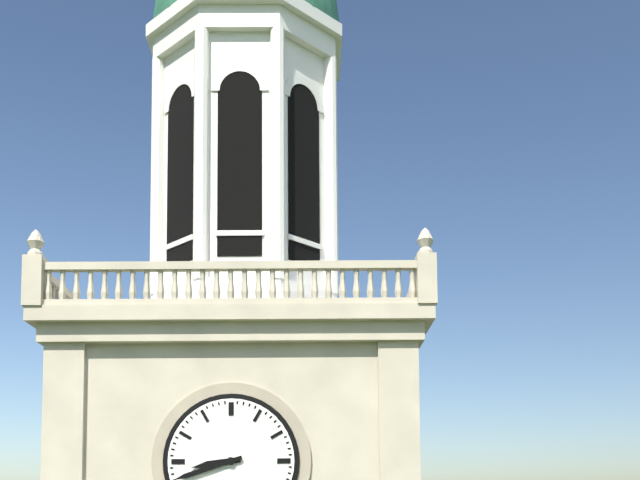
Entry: h=8 m=42
